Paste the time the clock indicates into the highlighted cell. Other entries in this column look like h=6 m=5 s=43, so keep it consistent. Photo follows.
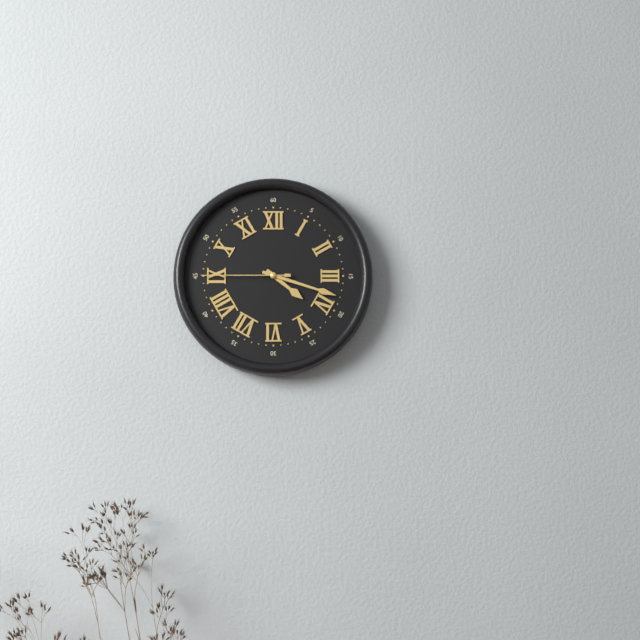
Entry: h=4 m=18 s=45
